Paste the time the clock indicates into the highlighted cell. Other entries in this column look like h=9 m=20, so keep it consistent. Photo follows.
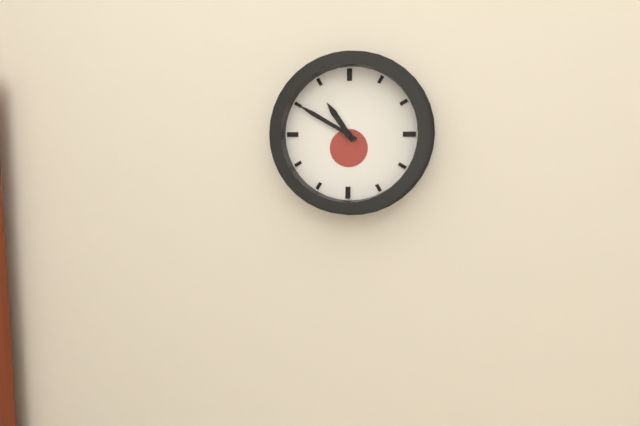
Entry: h=10 m=50
